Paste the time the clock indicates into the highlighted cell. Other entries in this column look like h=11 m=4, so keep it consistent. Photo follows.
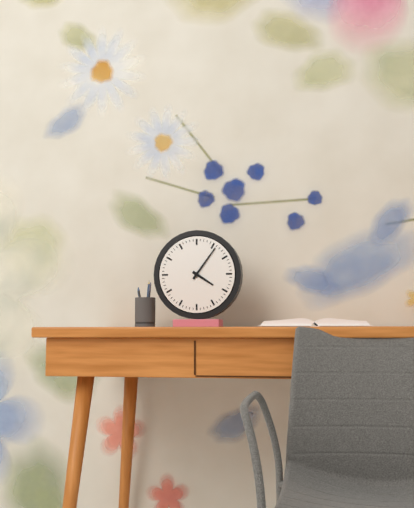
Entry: h=4 m=6
